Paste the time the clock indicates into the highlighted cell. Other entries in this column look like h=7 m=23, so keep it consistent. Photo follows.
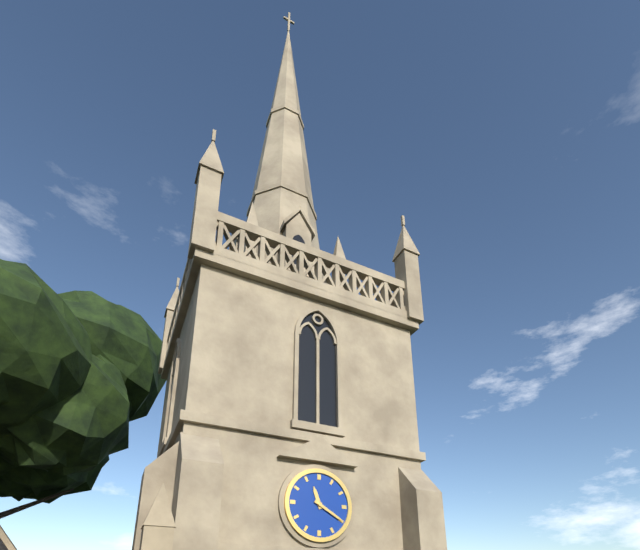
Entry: h=11 m=20
